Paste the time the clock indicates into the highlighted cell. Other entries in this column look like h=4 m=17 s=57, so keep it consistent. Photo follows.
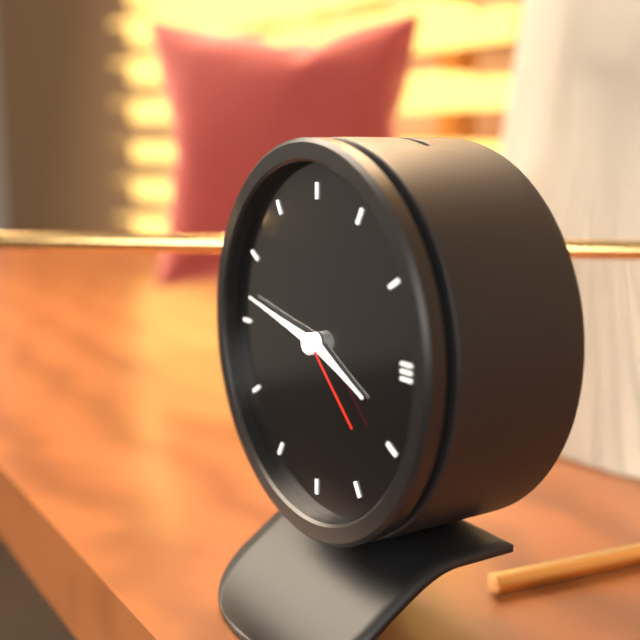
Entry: h=3 m=47 s=22
